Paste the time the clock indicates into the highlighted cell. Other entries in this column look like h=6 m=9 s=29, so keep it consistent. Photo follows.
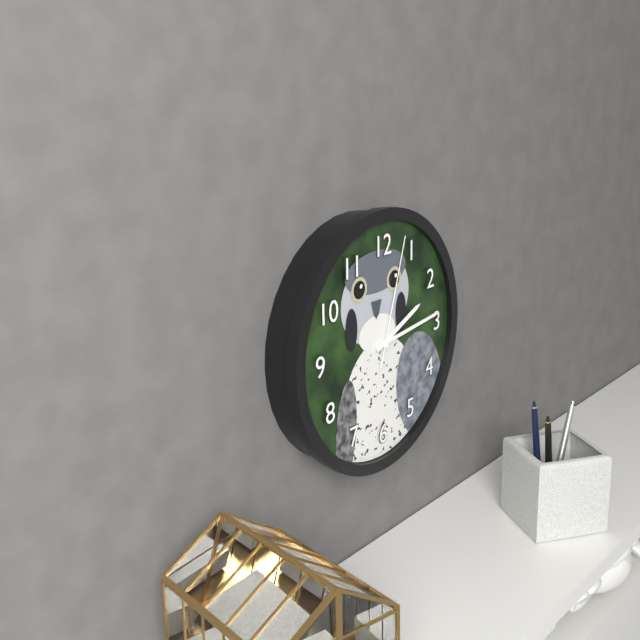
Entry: h=2 m=14 s=3
